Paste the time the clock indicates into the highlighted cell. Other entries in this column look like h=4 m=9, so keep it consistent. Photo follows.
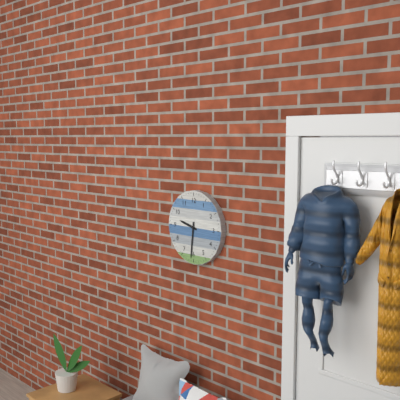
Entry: h=9 m=31
